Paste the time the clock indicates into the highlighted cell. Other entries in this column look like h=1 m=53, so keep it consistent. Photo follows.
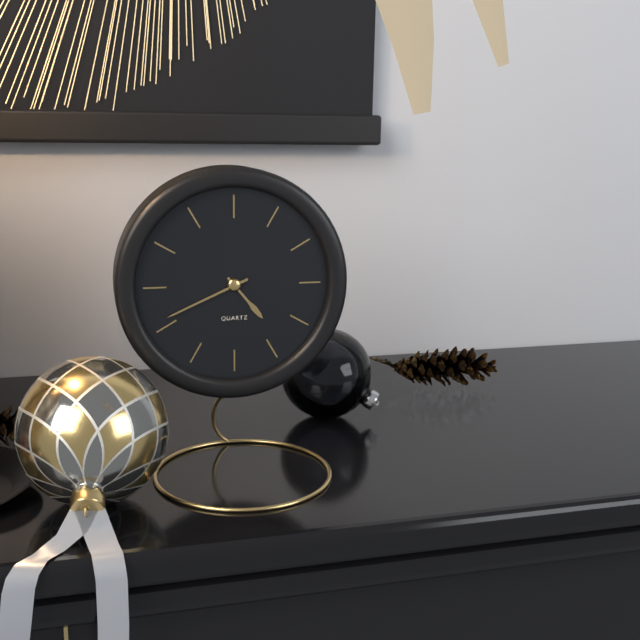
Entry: h=4 m=41
